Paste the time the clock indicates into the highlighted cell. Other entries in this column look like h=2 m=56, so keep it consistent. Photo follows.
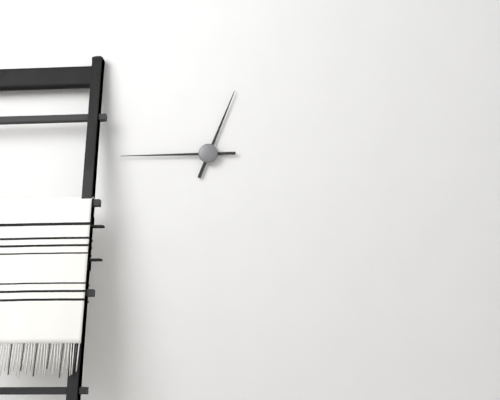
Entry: h=12 m=45
